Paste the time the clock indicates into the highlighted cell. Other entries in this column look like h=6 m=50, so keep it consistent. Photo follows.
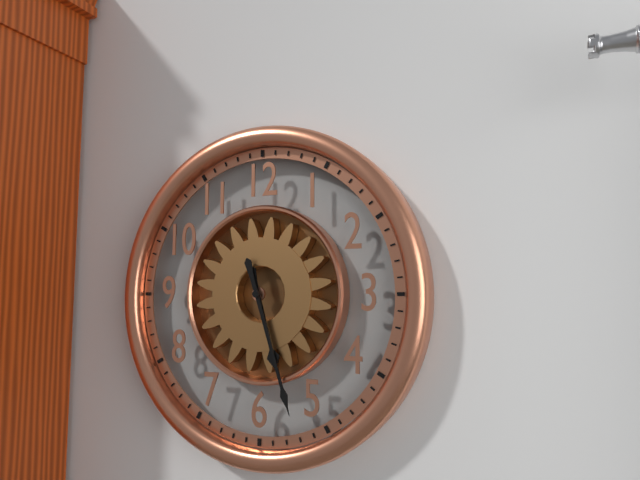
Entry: h=5 m=27
